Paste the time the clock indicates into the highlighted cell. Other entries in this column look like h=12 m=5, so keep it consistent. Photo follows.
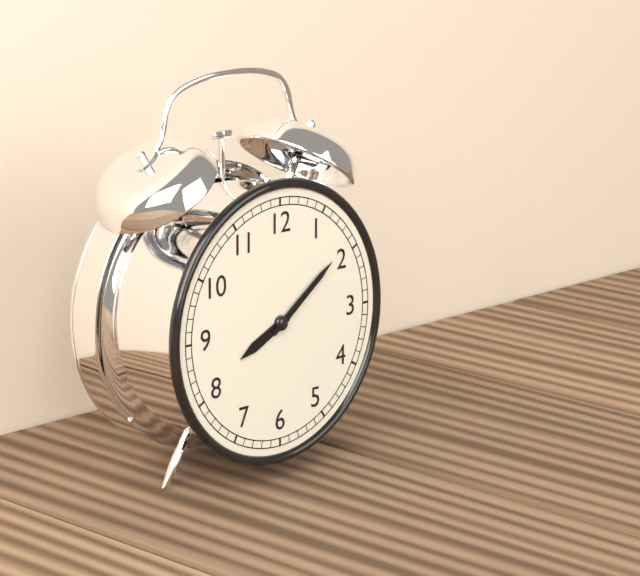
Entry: h=8 m=9
